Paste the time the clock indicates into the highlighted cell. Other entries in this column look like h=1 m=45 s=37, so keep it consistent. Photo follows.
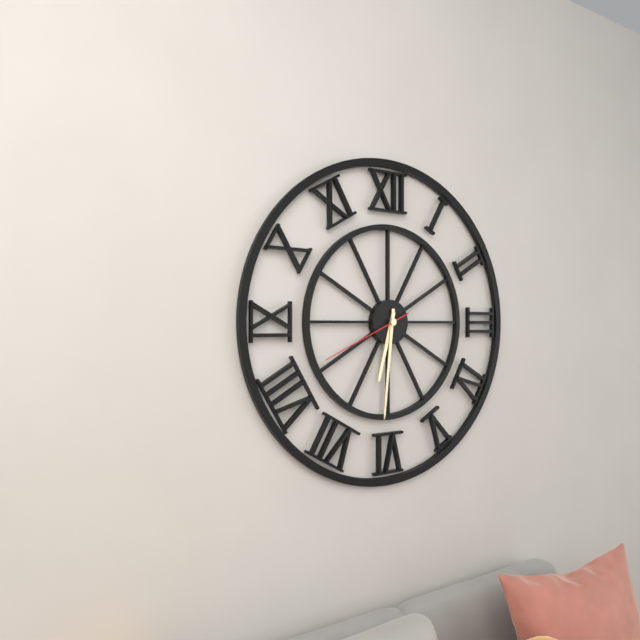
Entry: h=6 m=31 s=41
